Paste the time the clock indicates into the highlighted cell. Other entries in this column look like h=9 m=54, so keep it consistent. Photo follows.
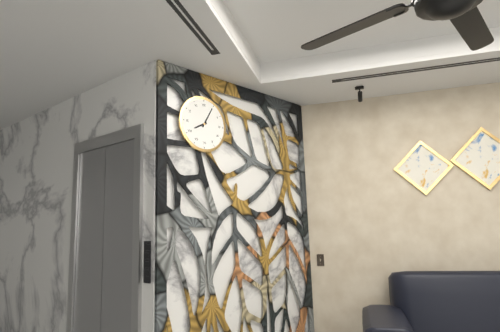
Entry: h=8 m=5
